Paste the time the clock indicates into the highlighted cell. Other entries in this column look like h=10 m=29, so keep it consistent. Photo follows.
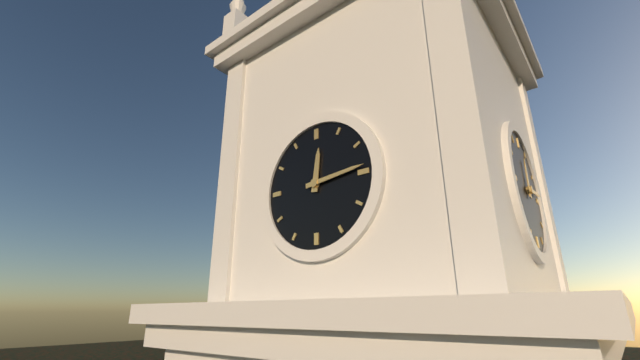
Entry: h=12 m=14
